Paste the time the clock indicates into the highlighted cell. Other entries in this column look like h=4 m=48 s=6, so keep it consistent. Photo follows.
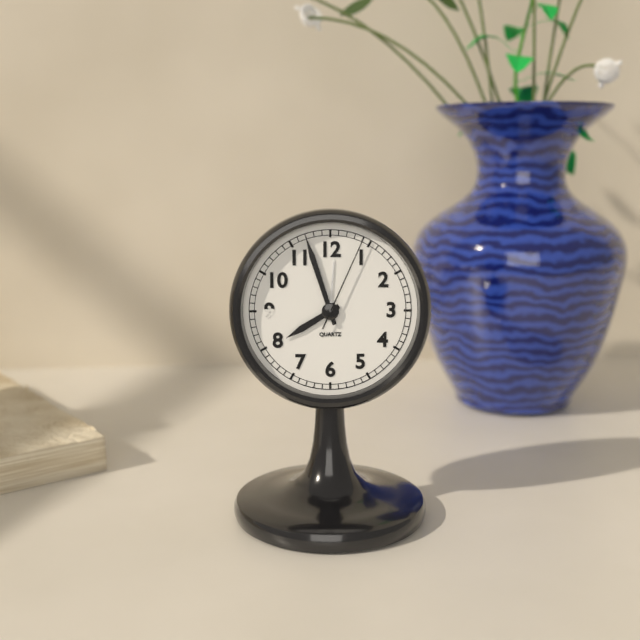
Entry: h=7 m=57 s=4
